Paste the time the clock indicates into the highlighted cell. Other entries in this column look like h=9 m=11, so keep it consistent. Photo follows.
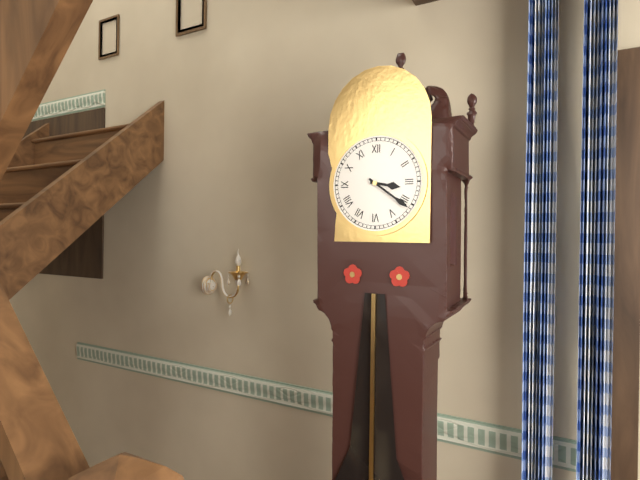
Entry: h=3 m=21
